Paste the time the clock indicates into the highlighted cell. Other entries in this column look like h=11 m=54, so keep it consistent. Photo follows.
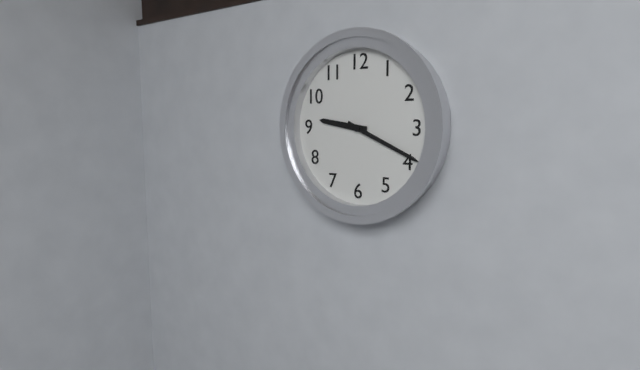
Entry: h=9 m=19
